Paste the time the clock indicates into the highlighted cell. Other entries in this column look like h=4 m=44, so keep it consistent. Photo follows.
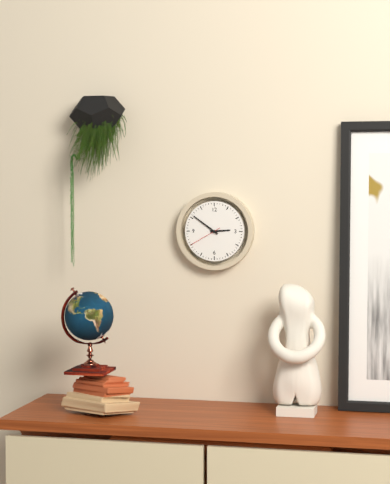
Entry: h=2 m=51
